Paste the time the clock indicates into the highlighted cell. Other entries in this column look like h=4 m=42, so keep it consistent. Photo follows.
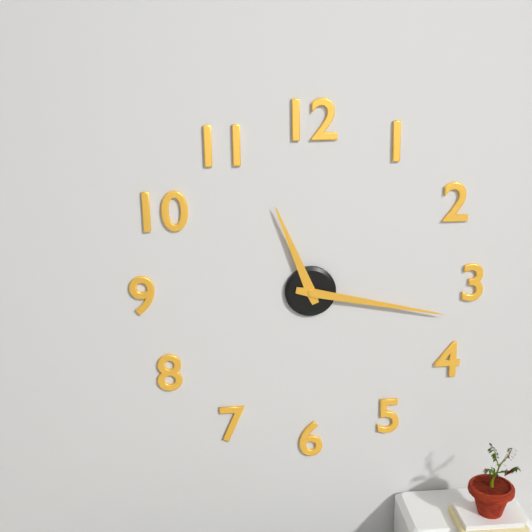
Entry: h=11 m=17
